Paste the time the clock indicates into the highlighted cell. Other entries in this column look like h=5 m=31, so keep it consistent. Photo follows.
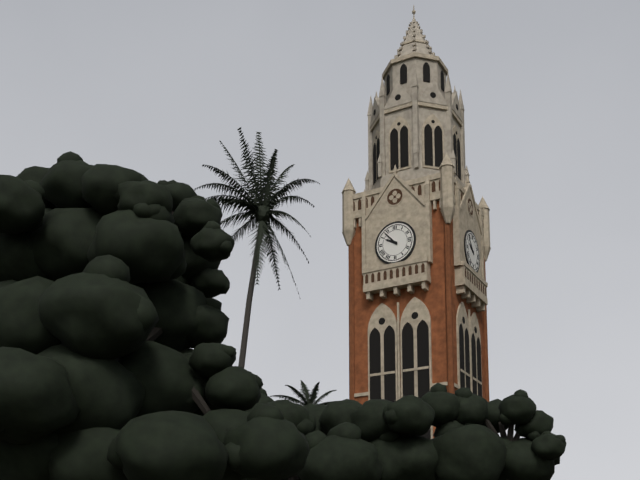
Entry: h=9 m=53
